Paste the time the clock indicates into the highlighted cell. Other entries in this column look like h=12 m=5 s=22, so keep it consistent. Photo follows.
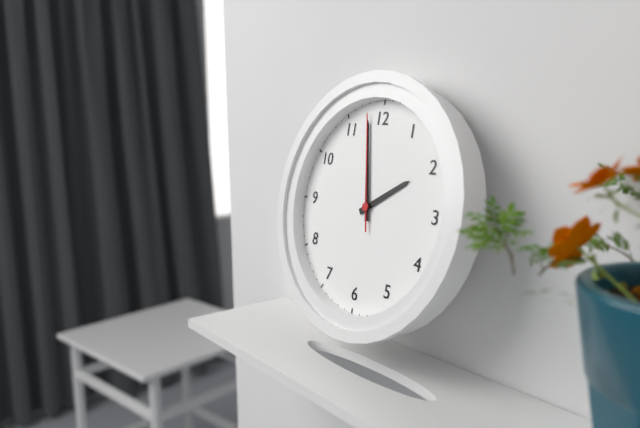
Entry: h=1 m=58 s=58
